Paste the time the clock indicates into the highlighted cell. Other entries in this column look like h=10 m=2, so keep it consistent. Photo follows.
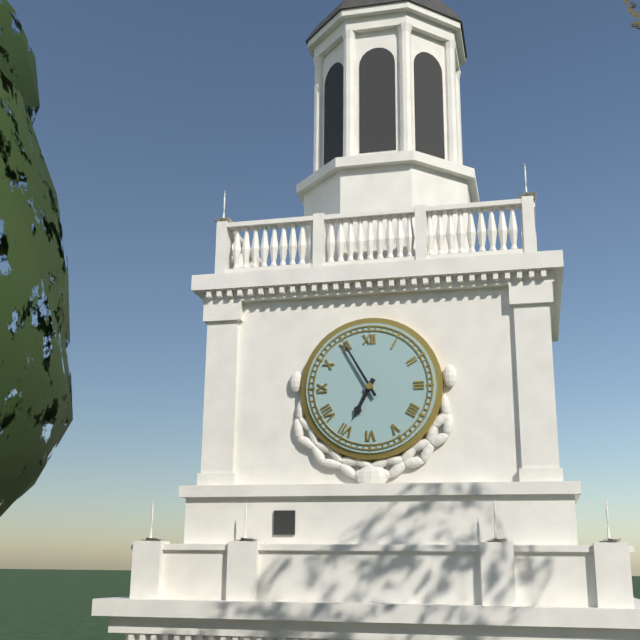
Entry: h=6 m=55
